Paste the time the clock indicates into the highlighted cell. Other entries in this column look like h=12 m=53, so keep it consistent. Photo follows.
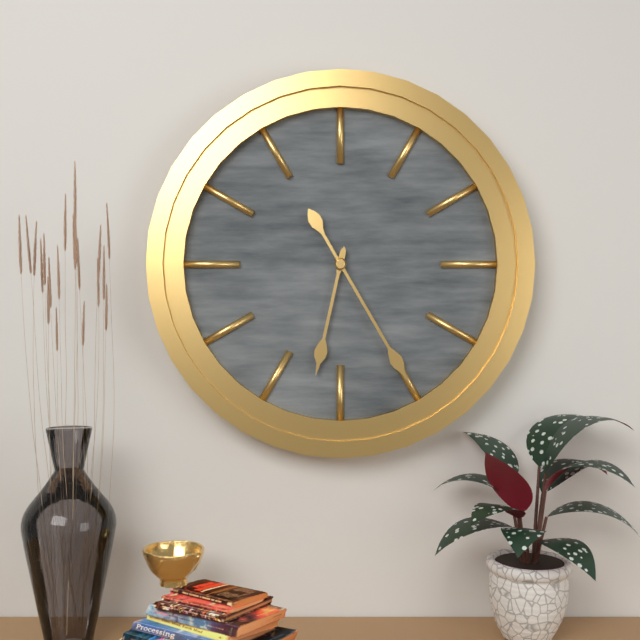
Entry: h=6 m=25
